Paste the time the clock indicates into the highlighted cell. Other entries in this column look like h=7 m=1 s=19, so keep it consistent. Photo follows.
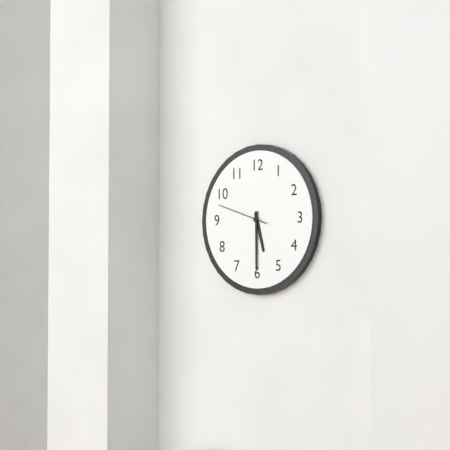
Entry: h=5 m=30 s=48
